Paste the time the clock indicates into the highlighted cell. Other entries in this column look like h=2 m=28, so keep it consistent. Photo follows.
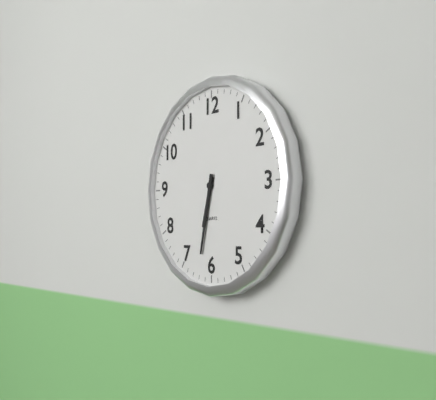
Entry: h=6 m=32
